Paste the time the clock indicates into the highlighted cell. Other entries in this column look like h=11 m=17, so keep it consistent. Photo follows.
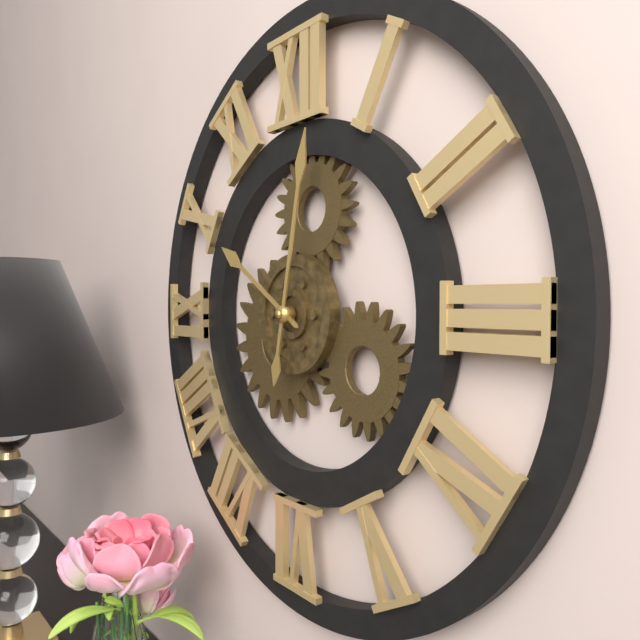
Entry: h=10 m=2
